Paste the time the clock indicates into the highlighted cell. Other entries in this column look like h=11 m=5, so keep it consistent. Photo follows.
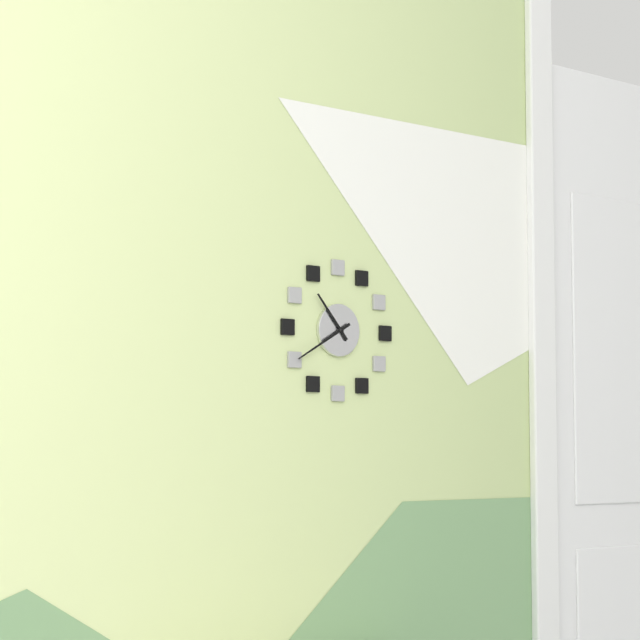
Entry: h=10 m=40
